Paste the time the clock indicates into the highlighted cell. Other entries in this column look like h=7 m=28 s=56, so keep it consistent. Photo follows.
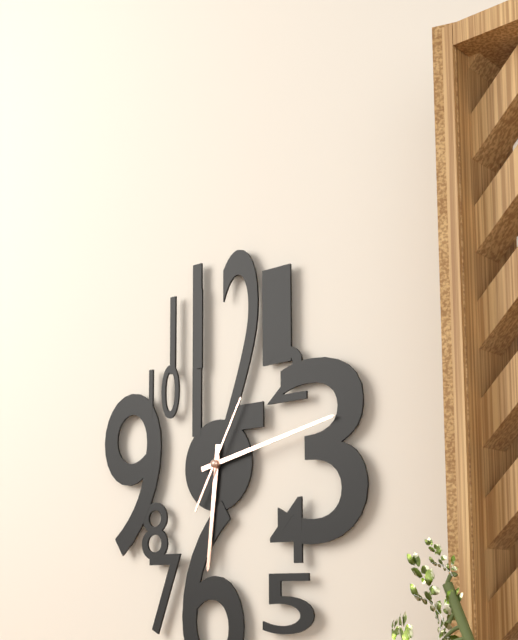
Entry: h=6 m=13 s=5
